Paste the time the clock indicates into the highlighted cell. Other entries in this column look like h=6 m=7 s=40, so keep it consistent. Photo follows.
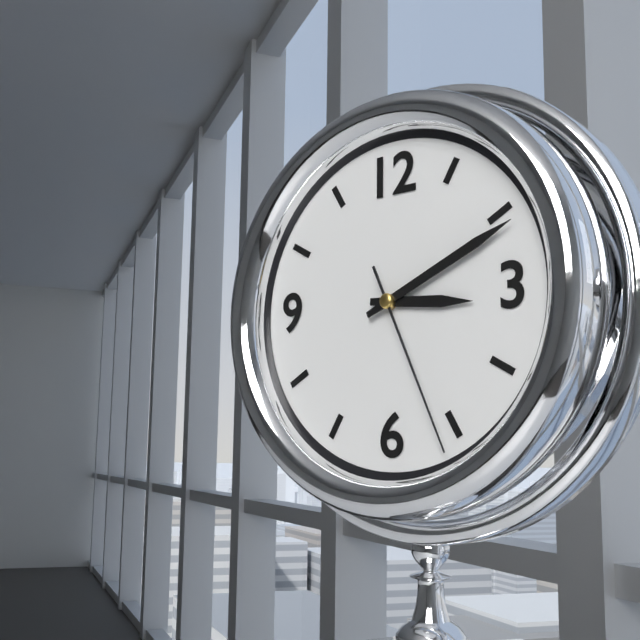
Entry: h=3 m=11 s=26
